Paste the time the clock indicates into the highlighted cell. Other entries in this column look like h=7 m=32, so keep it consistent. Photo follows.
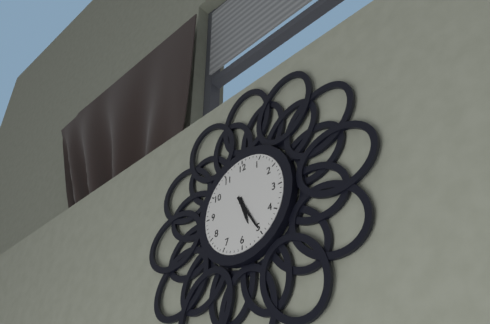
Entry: h=5 m=25
